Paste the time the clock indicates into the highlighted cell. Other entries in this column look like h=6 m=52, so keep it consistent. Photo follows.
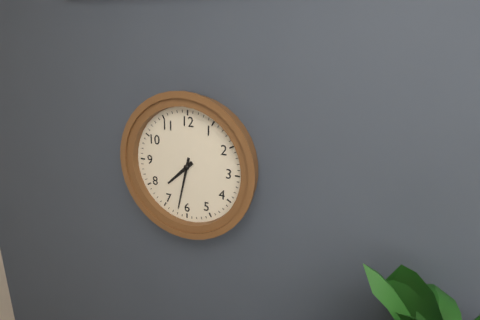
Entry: h=7 m=32
